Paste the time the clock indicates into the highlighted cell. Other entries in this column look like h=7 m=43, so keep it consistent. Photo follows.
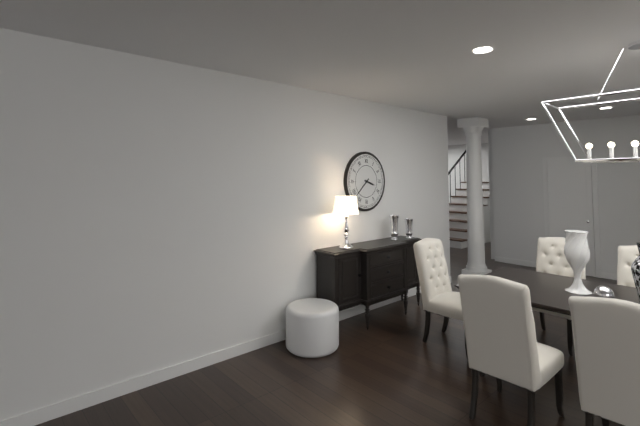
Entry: h=3 m=38
